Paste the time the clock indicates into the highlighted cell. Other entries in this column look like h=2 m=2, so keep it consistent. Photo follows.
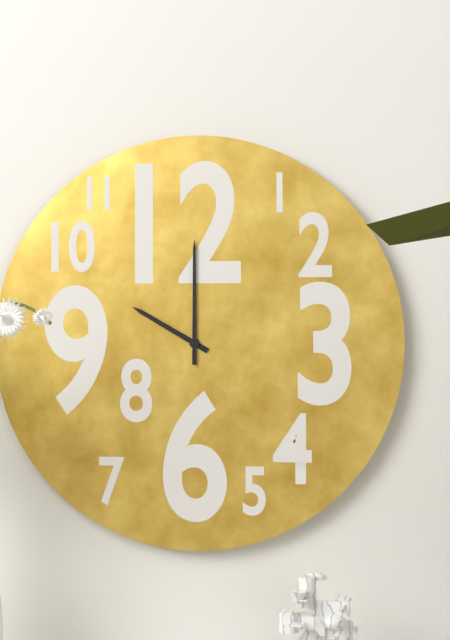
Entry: h=10 m=0
